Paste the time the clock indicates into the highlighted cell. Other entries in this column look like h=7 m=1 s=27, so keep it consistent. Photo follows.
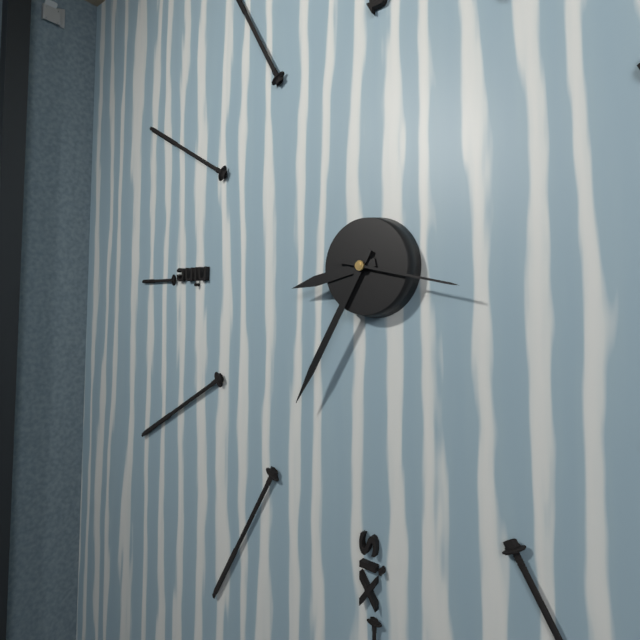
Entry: h=8 m=35 s=17
